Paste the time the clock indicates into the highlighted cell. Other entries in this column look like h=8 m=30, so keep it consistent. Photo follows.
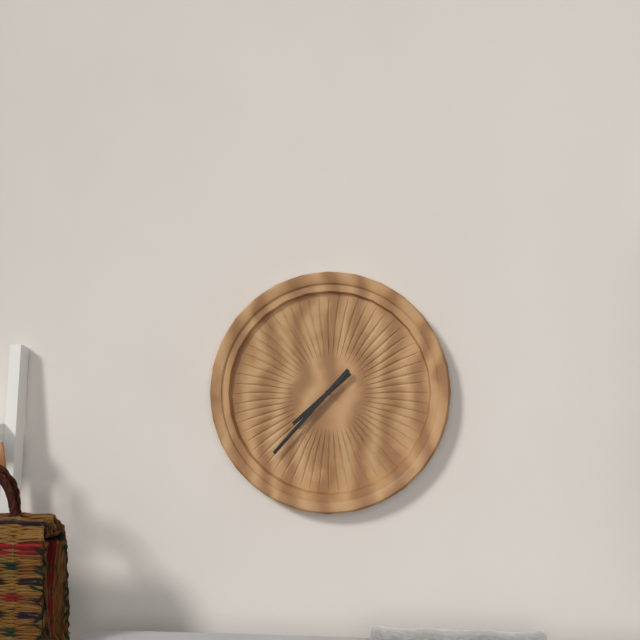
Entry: h=7 m=37
